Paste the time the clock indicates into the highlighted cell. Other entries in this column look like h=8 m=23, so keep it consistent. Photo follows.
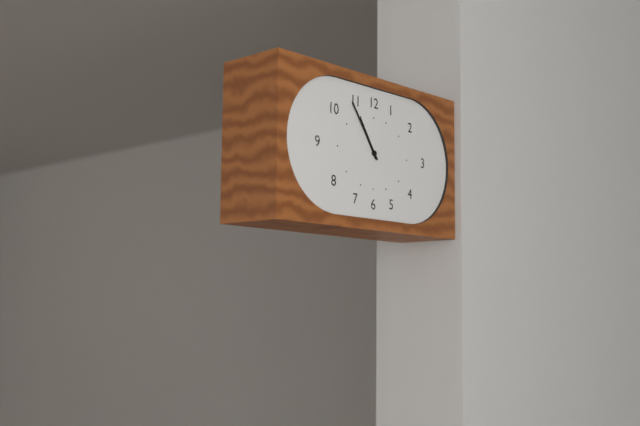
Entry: h=10 m=54
